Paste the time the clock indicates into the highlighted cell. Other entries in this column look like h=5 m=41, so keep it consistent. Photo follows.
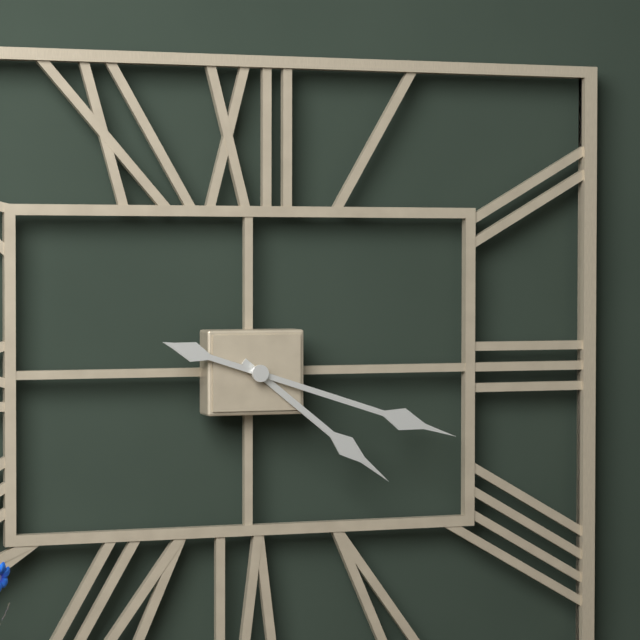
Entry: h=4 m=18
